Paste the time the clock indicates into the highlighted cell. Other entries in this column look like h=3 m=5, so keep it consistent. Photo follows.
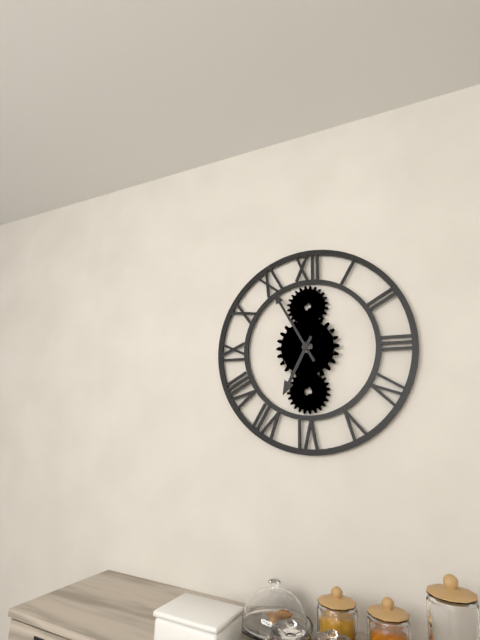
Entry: h=6 m=55
